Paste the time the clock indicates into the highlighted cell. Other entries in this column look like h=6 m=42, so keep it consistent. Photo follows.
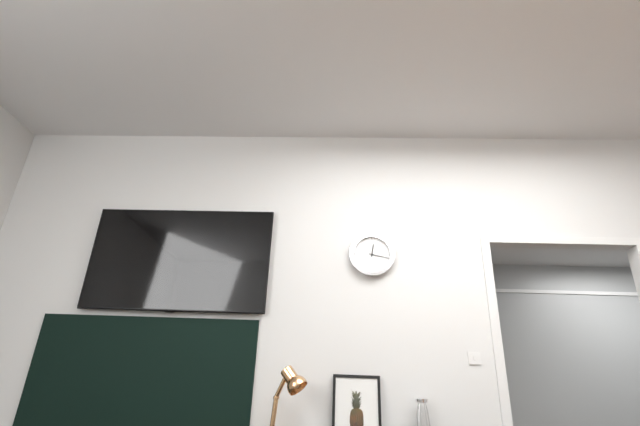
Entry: h=12 m=17
